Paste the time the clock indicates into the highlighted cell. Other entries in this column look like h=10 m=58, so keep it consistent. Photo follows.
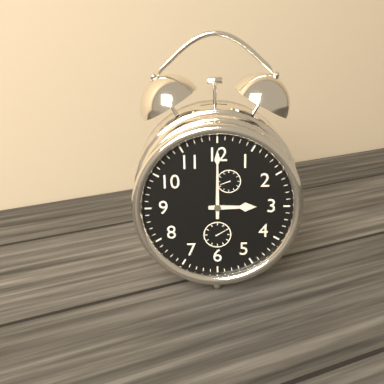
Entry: h=3 m=0
